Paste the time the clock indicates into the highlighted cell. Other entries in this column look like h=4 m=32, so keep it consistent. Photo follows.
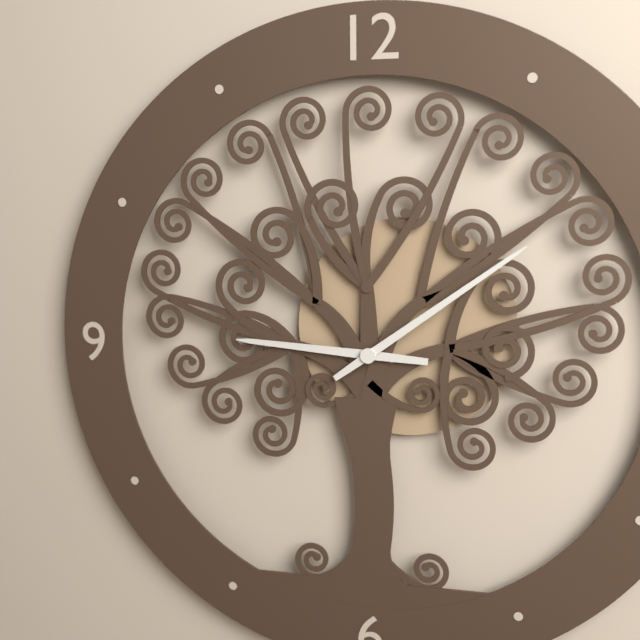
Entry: h=9 m=9
